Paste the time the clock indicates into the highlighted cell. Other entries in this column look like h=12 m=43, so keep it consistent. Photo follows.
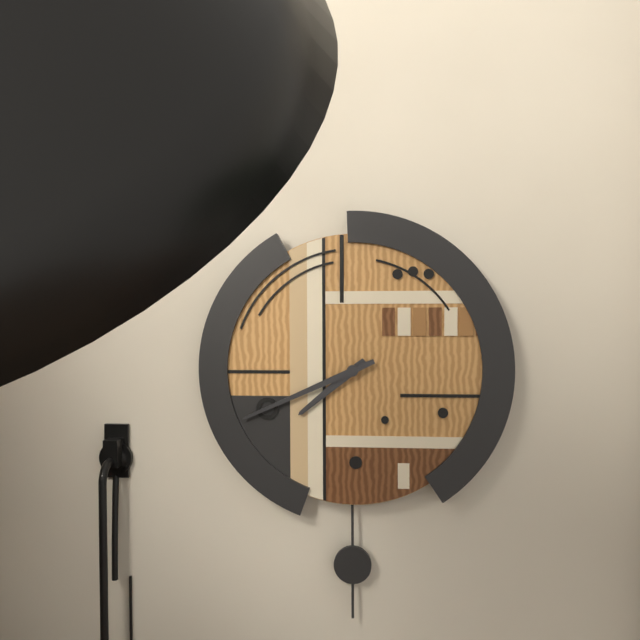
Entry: h=7 m=41
